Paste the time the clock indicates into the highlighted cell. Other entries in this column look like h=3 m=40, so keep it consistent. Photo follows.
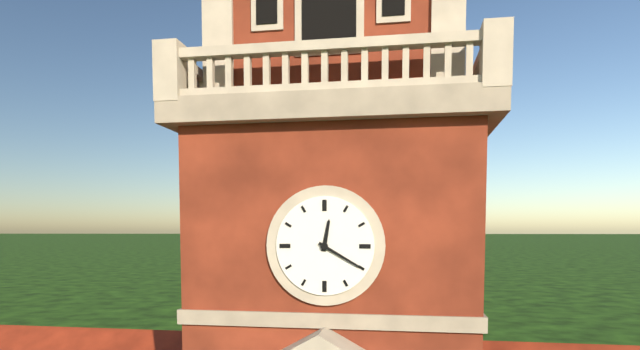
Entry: h=12 m=20
